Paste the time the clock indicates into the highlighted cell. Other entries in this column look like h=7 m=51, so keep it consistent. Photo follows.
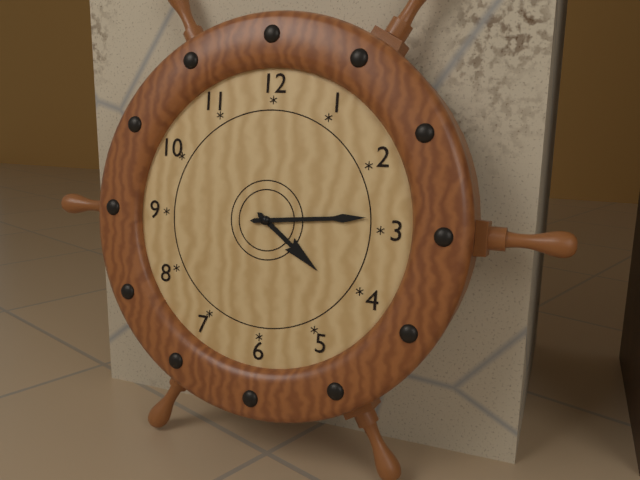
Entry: h=4 m=14
